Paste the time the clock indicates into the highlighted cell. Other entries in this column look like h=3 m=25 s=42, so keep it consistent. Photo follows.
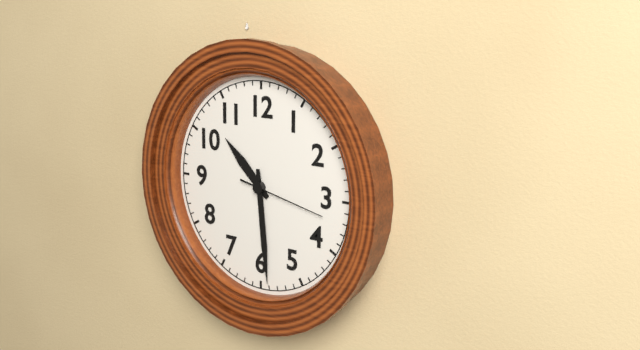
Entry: h=10 m=29 s=17
